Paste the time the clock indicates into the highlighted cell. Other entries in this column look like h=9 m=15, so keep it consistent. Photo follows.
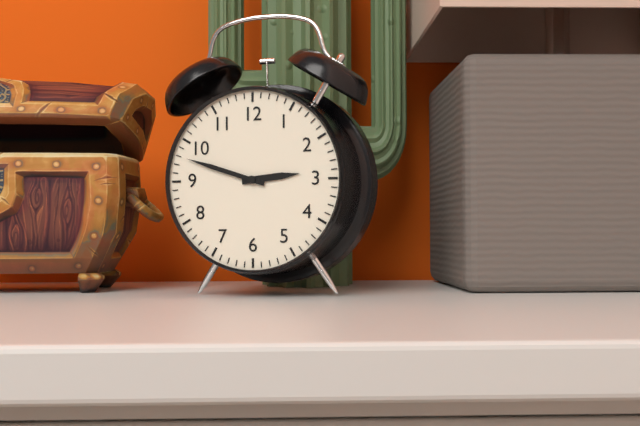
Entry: h=2 m=48
